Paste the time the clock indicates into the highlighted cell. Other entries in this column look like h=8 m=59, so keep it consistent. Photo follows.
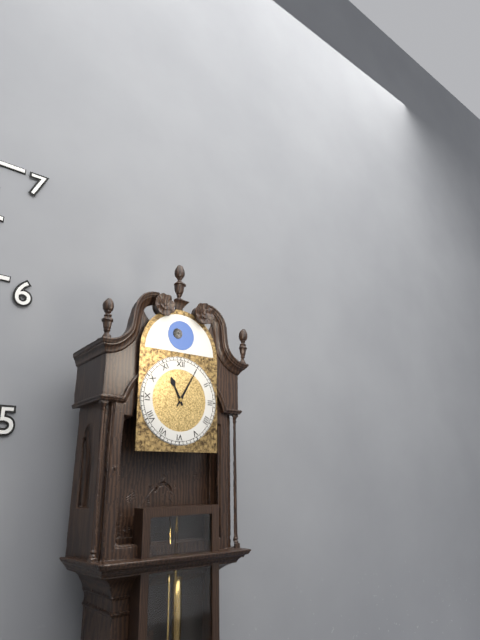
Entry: h=11 m=5
